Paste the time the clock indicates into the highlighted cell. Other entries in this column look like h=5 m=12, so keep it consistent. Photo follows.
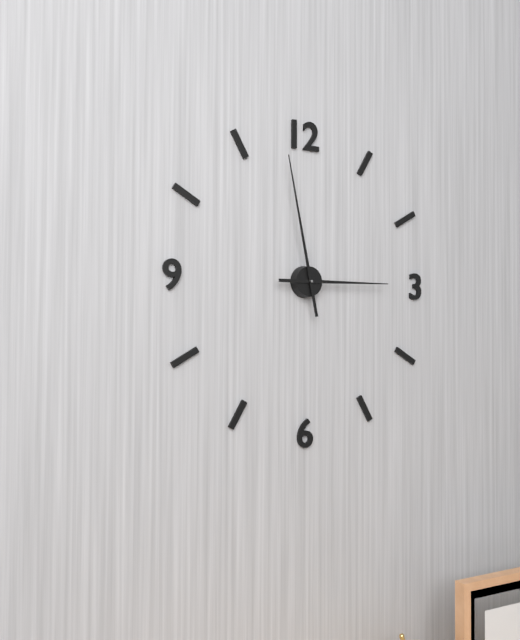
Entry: h=2 m=58
